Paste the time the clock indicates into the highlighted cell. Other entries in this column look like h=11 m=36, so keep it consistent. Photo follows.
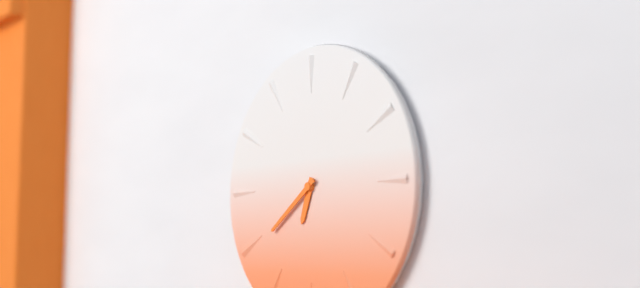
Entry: h=6 m=39
